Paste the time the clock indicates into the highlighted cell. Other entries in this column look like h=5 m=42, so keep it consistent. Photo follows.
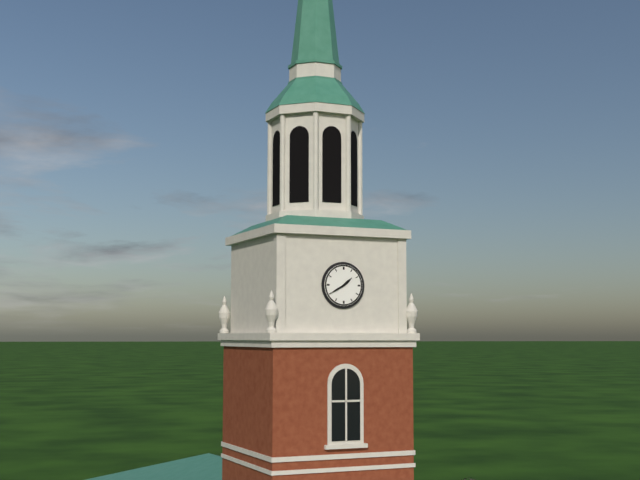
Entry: h=1 m=40
